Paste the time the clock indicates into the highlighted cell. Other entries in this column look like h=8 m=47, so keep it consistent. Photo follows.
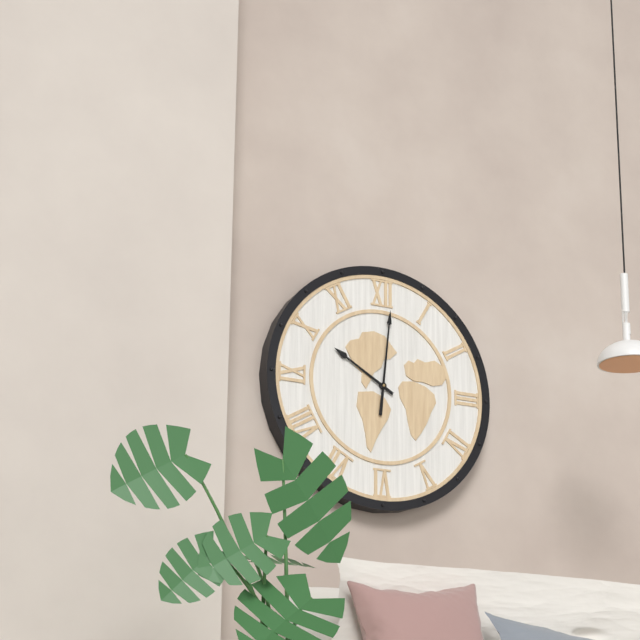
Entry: h=10 m=1
